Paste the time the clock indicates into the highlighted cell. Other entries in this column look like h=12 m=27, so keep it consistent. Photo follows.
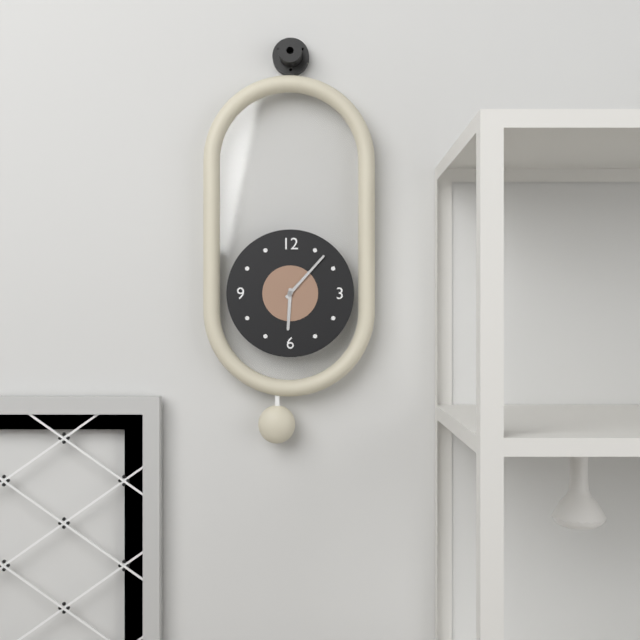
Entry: h=6 m=7
